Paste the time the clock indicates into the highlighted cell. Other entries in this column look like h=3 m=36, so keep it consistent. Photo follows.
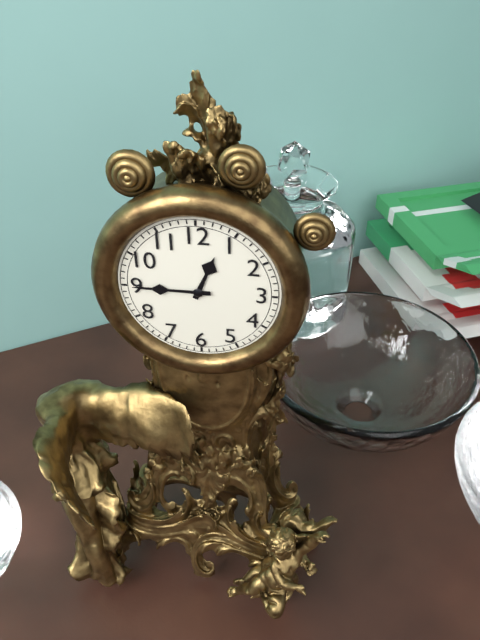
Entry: h=12 m=45
